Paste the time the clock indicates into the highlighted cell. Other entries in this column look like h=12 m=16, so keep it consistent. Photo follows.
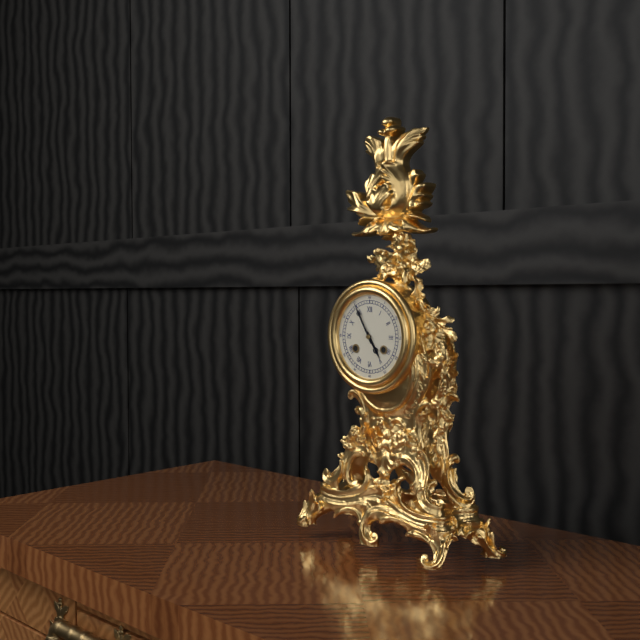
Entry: h=4 m=55
